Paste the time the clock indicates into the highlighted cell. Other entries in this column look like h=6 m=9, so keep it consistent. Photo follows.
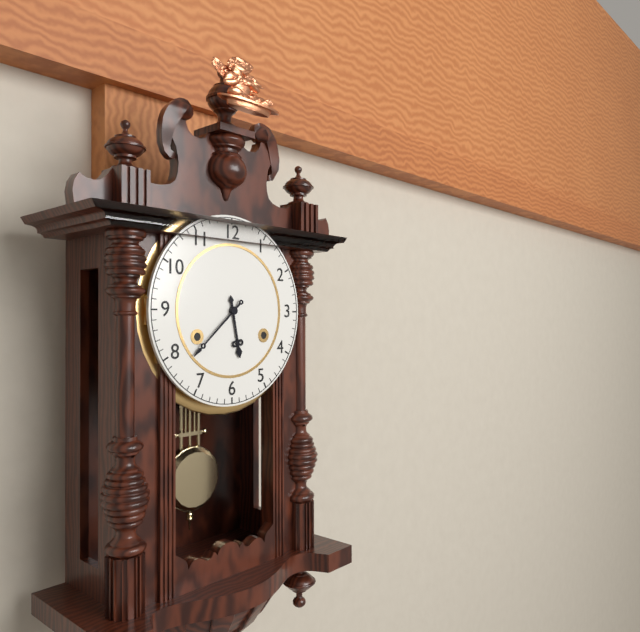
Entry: h=5 m=38
